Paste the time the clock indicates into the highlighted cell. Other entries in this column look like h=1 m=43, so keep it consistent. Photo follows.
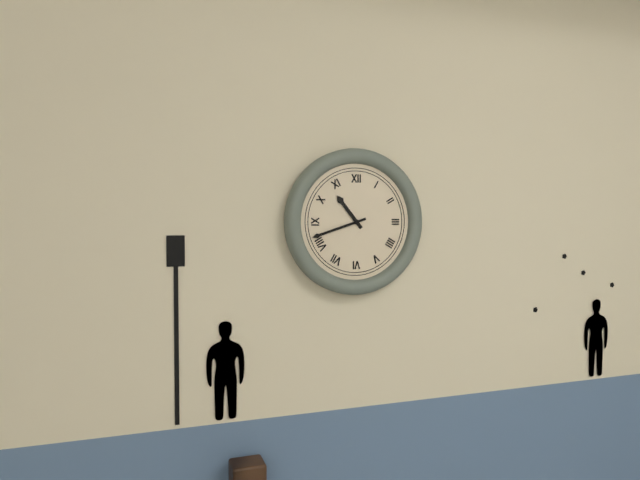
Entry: h=10 m=42
